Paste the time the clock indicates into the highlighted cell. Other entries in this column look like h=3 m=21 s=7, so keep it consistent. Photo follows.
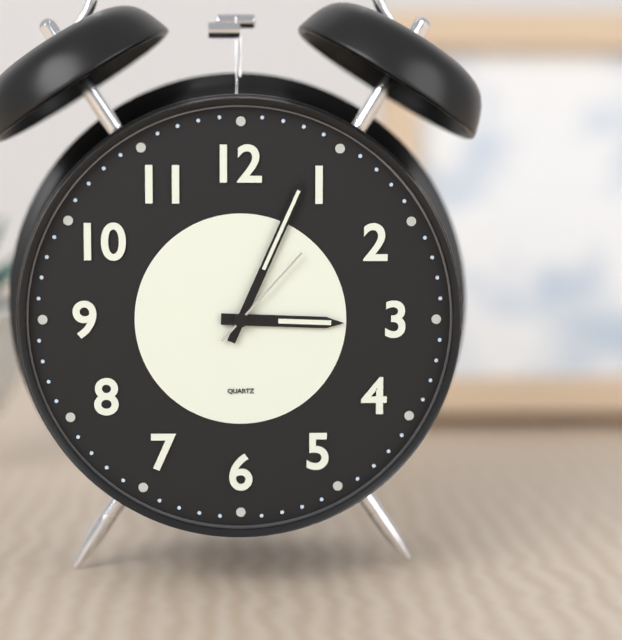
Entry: h=3 m=4 s=7
